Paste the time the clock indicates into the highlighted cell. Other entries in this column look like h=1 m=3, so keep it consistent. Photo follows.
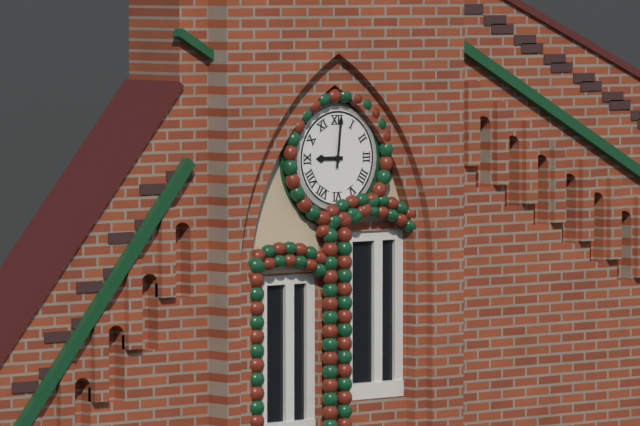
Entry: h=9 m=1
